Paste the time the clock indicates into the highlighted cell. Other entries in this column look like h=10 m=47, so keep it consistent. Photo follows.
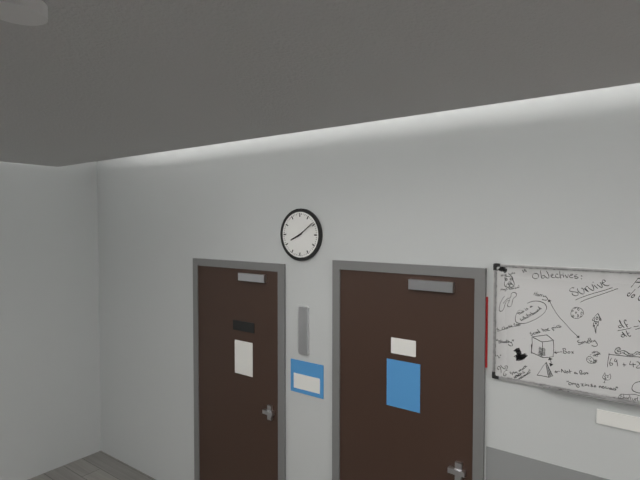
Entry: h=8 m=9
